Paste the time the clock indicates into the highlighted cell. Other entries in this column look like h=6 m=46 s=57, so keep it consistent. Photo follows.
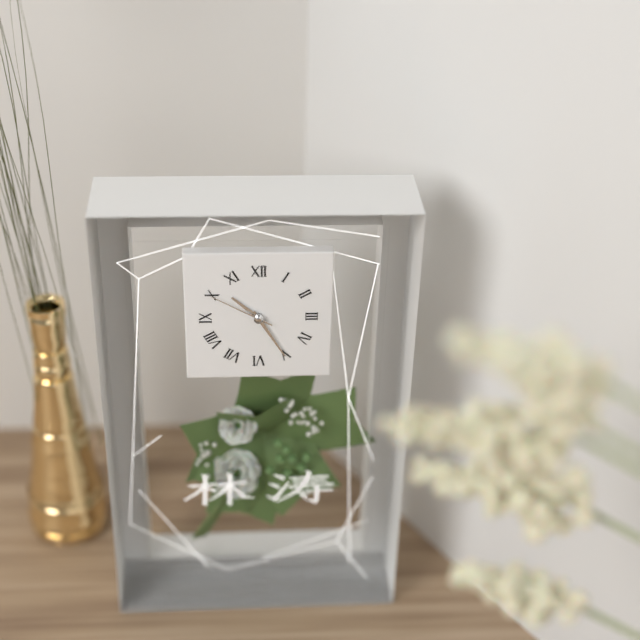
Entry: h=10 m=25 s=50
